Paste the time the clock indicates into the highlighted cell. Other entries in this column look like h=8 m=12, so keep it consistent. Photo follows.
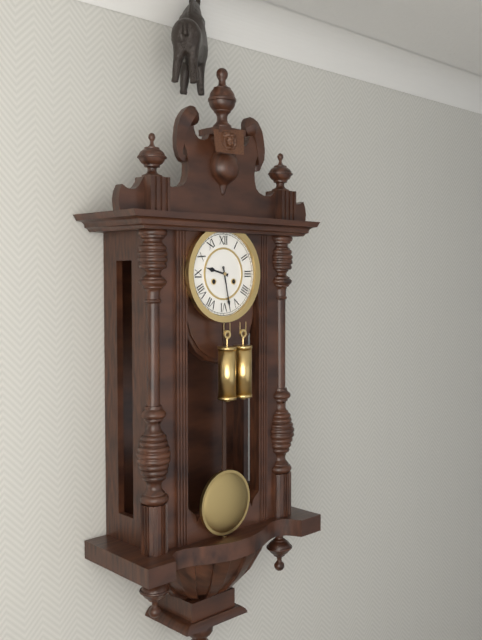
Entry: h=9 m=28
